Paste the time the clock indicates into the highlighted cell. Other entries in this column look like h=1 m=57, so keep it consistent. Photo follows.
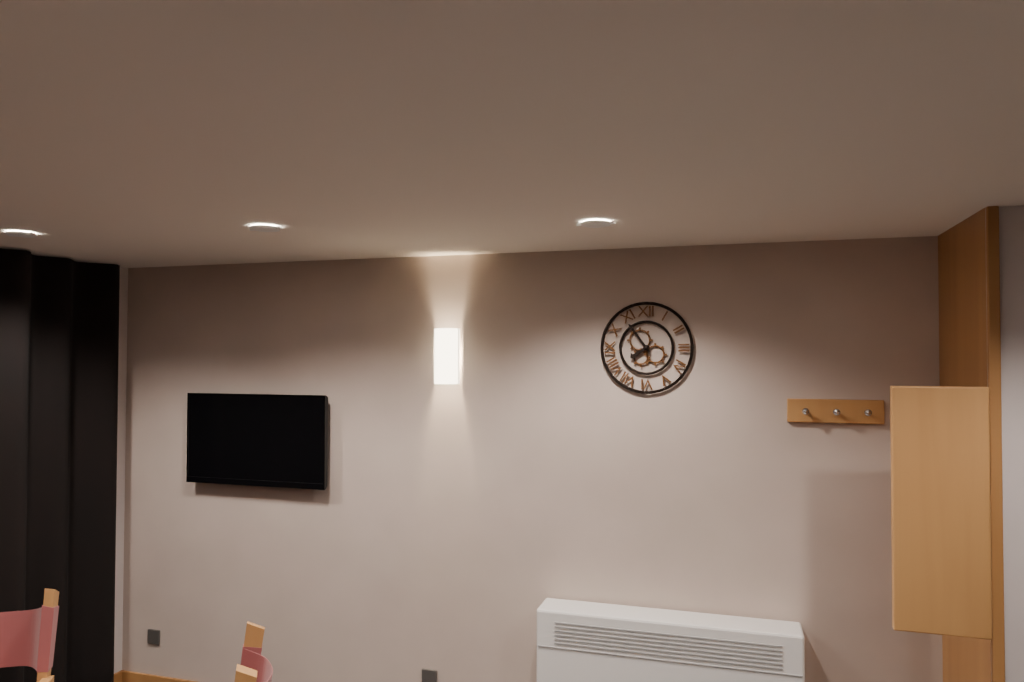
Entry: h=7 m=54
